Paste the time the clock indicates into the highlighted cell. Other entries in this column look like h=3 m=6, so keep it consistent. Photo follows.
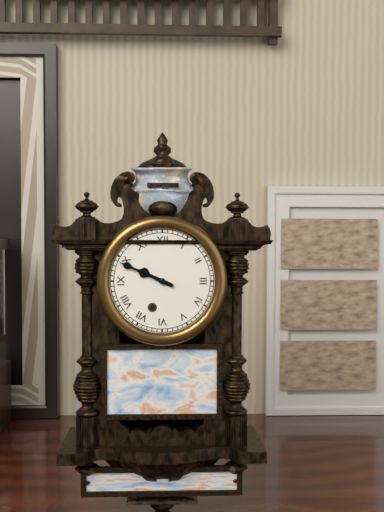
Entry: h=9 m=49
